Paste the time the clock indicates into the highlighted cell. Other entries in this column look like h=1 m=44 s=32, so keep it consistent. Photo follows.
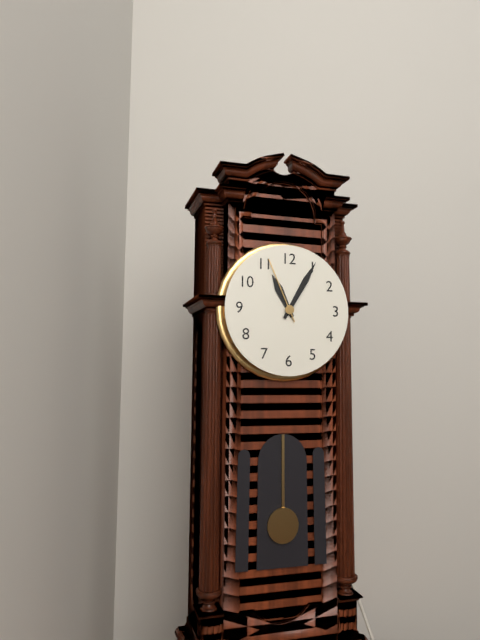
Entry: h=11 m=5 s=56
